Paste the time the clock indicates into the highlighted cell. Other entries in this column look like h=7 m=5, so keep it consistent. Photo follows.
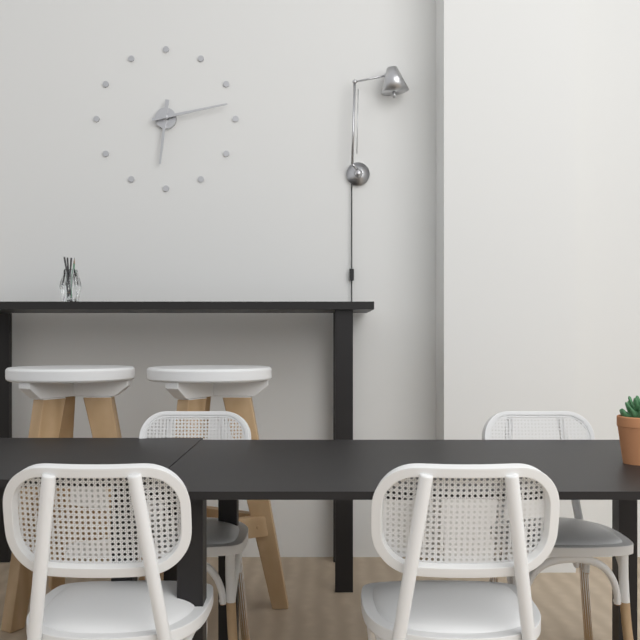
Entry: h=6 m=13
